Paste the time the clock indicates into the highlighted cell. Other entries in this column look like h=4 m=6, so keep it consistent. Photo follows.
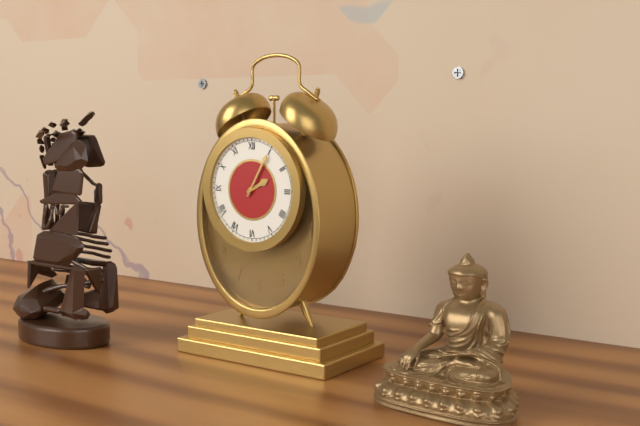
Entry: h=2 m=5
